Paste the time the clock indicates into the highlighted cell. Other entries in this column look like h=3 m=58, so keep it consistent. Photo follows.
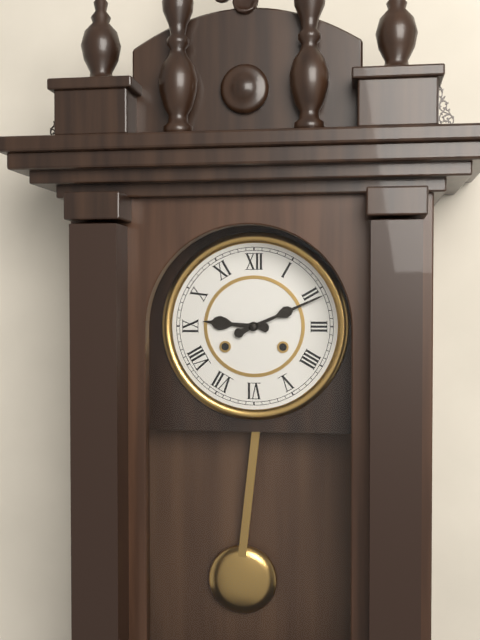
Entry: h=9 m=11
